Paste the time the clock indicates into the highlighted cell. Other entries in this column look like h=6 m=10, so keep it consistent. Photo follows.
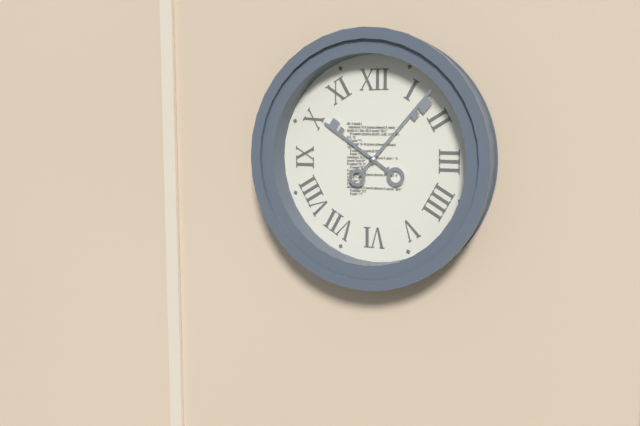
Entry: h=10 m=7
